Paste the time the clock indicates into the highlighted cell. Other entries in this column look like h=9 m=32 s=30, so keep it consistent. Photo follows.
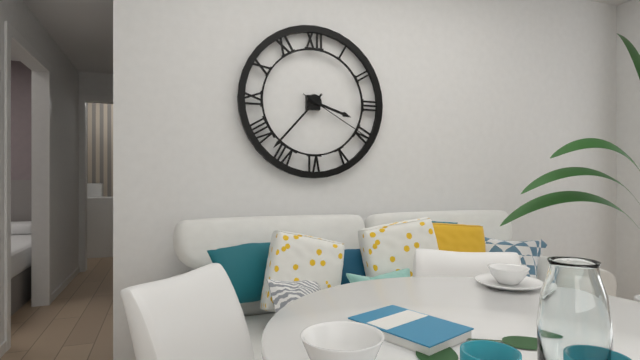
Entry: h=3 m=37 s=20
